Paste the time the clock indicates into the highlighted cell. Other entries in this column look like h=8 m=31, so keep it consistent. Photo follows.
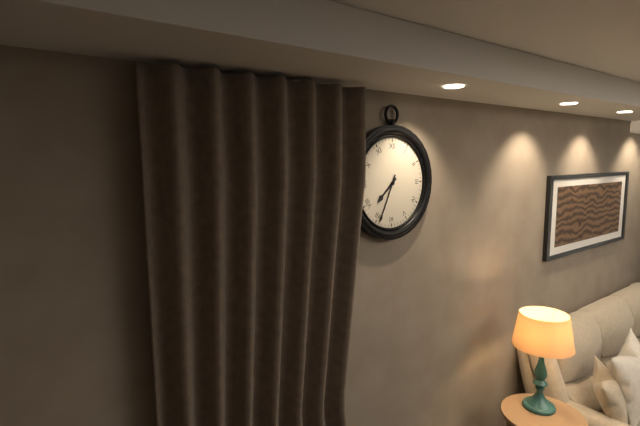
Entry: h=7 m=34
